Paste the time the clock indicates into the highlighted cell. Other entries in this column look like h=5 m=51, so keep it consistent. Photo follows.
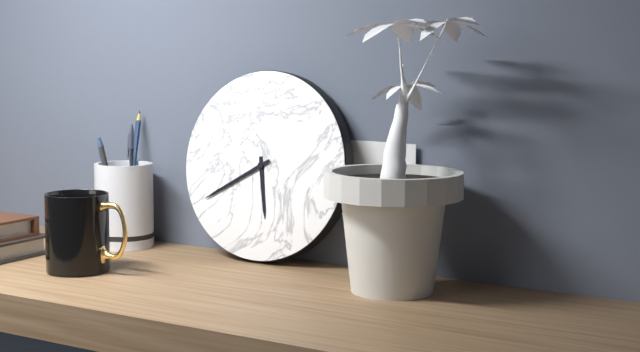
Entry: h=5 m=40
